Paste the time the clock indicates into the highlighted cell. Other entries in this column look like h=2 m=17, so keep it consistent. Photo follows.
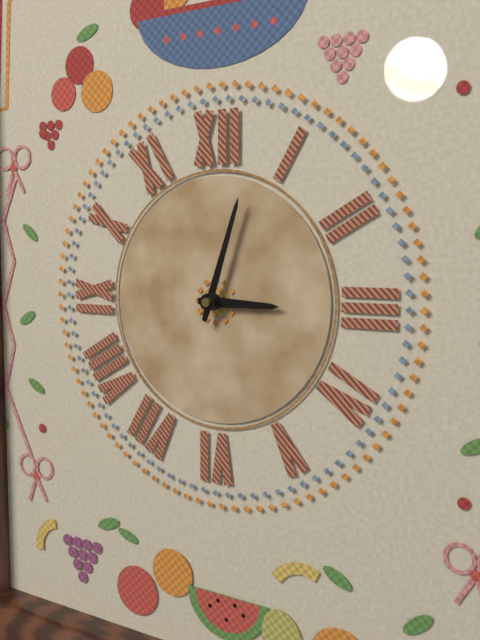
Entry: h=3 m=3
